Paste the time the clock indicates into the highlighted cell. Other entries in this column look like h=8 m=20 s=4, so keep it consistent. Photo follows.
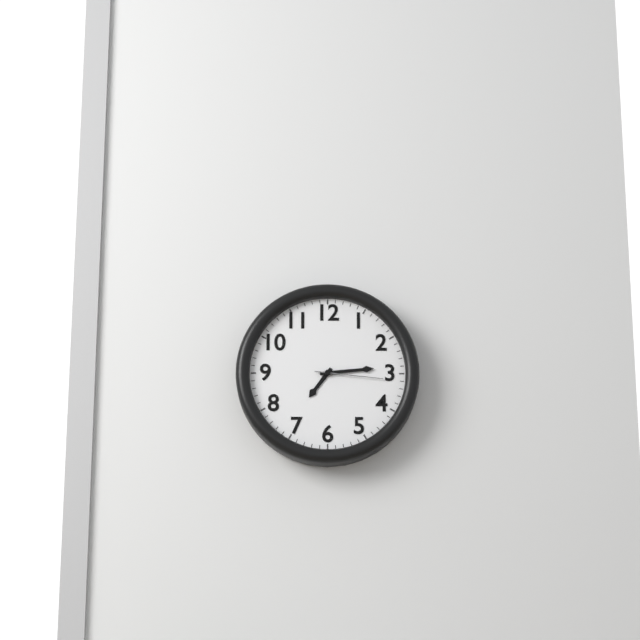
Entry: h=7 m=14 s=16
